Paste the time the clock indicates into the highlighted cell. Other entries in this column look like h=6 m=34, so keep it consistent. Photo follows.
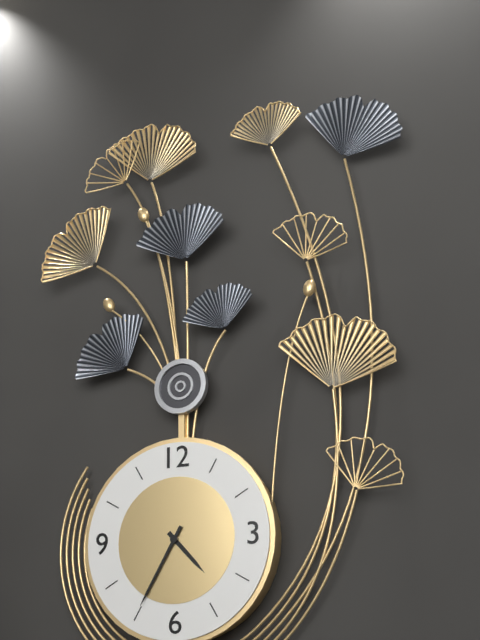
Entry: h=4 m=35
